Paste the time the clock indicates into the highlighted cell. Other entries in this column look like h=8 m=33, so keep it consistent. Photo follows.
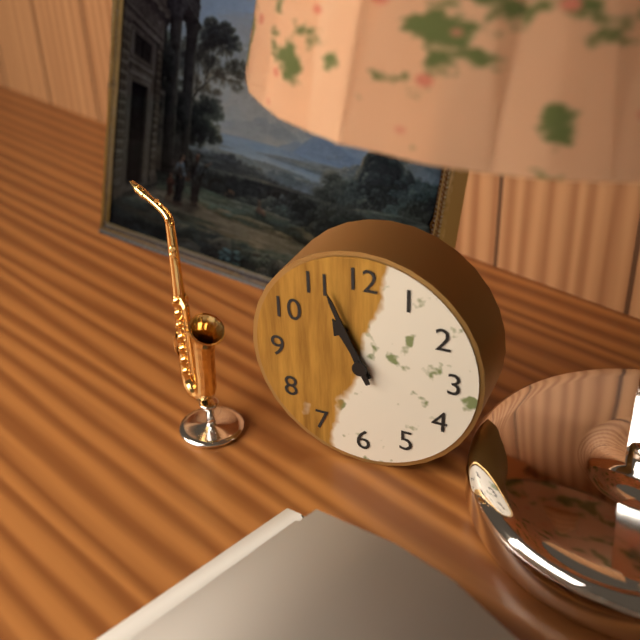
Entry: h=10 m=56
